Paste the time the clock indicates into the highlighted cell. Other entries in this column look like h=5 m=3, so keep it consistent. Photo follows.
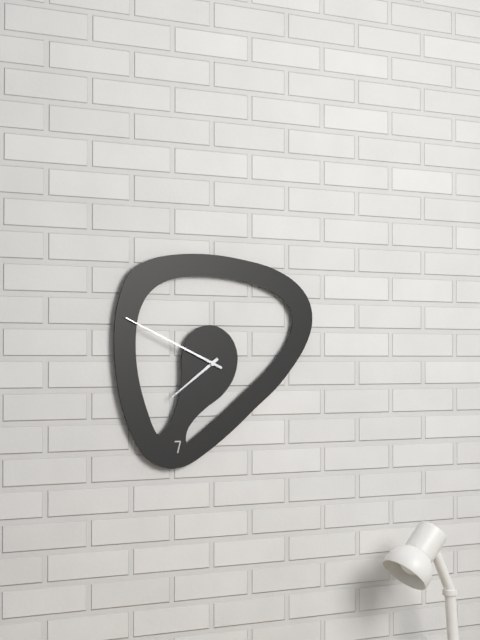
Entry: h=7 m=49
